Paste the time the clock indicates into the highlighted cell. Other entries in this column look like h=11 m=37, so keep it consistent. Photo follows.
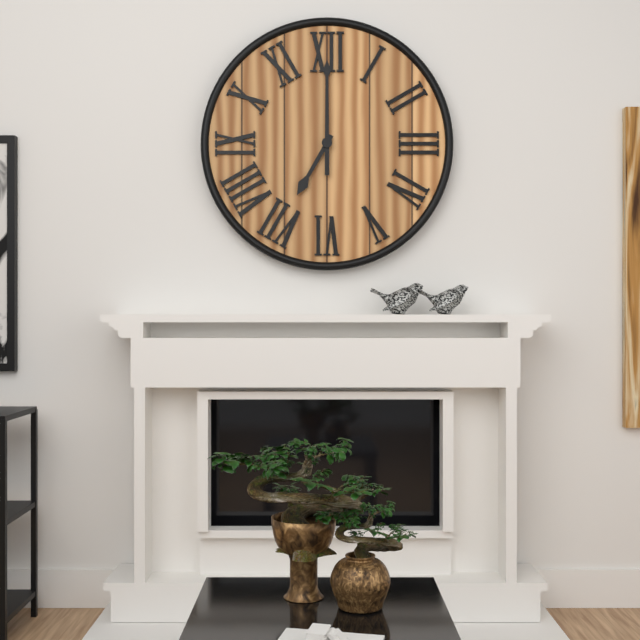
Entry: h=7 m=0
